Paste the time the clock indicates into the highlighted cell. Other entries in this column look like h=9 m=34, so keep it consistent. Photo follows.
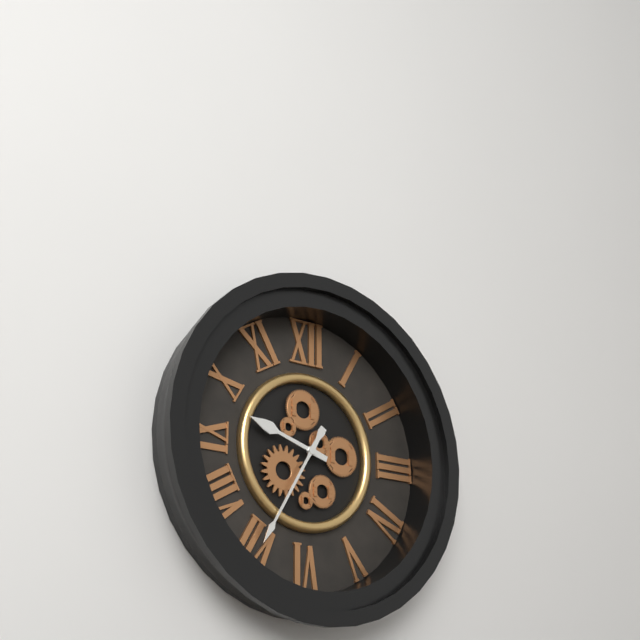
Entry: h=9 m=35
